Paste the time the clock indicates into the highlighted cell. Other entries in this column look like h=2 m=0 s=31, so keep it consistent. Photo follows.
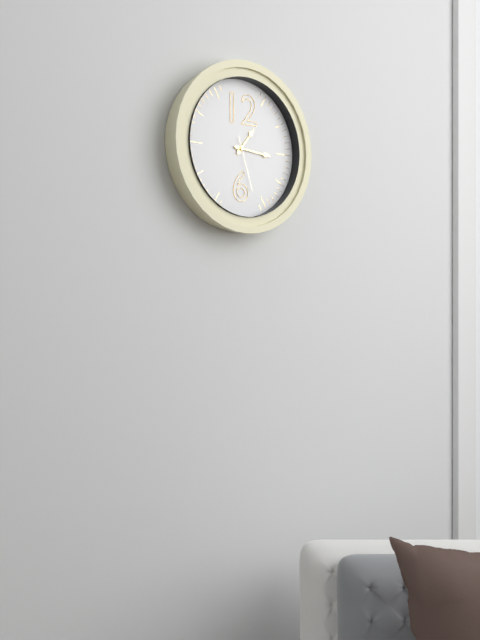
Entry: h=1 m=16 s=27
